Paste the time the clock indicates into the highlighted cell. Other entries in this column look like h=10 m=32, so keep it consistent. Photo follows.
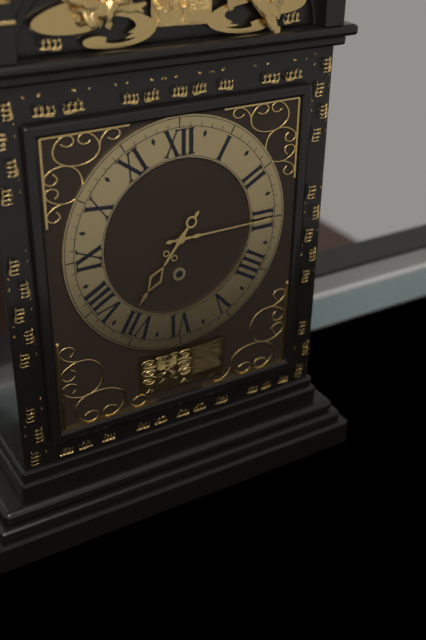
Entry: h=7 m=15
